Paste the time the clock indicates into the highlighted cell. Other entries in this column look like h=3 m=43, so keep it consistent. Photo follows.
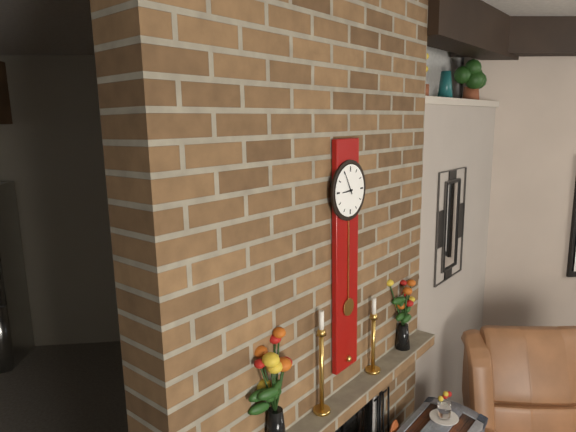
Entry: h=8 m=55
